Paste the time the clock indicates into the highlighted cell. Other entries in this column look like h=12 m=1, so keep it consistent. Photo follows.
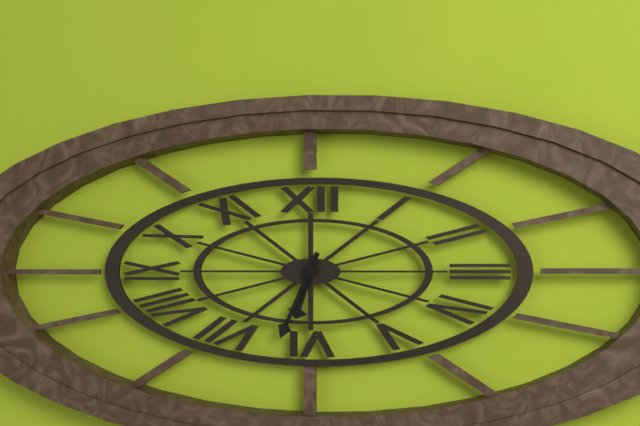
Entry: h=6 m=34
